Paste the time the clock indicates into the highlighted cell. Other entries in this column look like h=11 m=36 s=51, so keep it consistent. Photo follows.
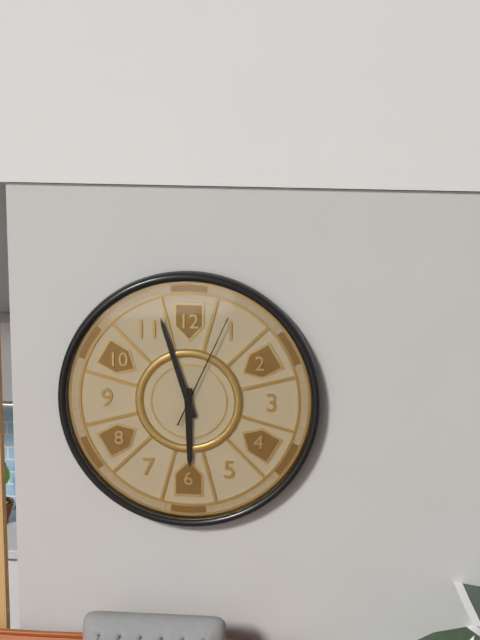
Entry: h=5 m=57 s=4
